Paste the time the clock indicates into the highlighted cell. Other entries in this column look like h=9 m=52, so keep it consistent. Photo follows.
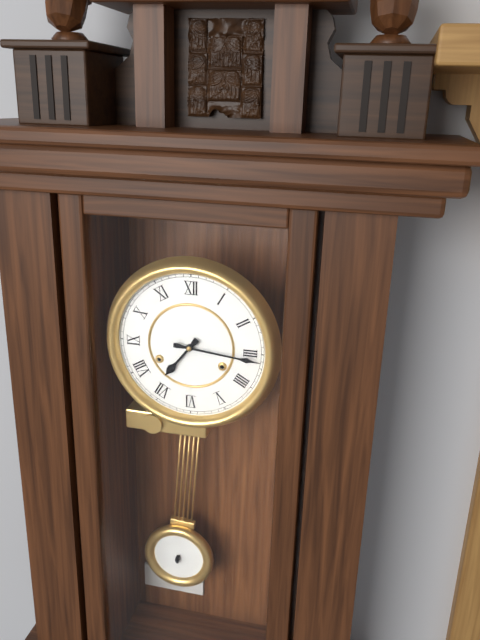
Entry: h=7 m=16
